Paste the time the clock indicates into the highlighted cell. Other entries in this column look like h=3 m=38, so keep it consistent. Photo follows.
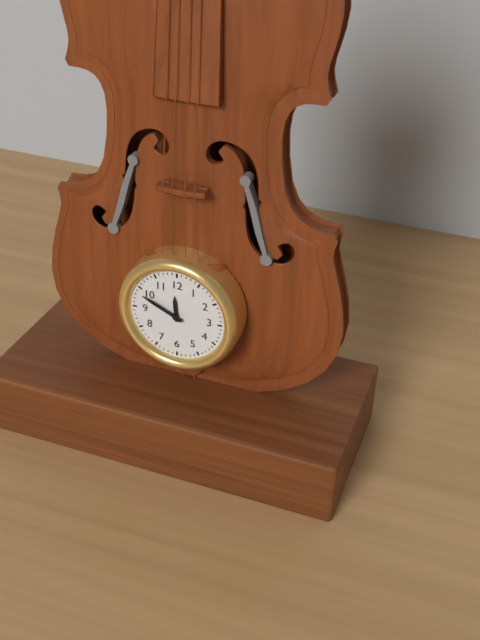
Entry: h=11 m=49
